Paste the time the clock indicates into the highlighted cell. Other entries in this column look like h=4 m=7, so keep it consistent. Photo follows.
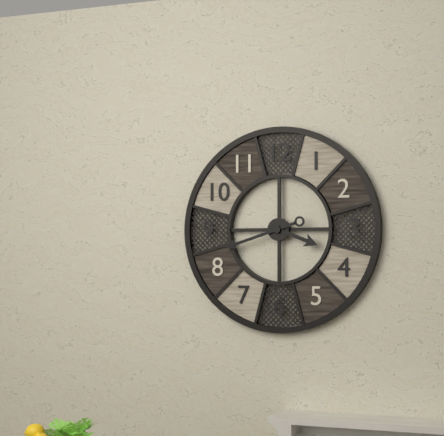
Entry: h=3 m=42
